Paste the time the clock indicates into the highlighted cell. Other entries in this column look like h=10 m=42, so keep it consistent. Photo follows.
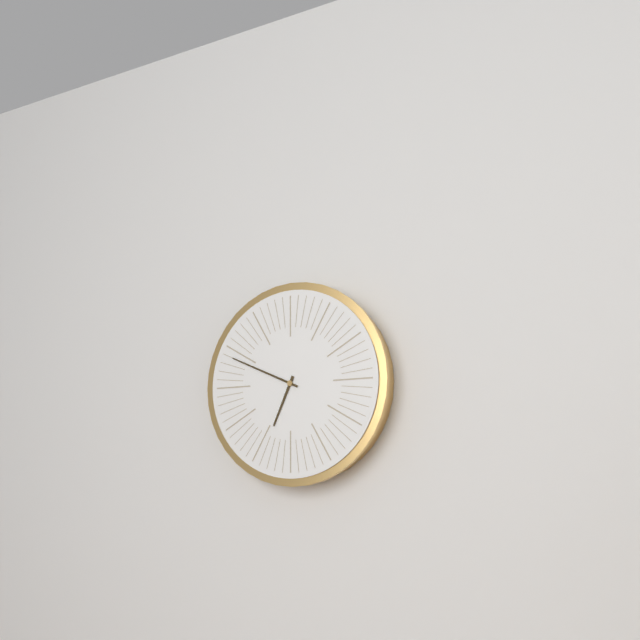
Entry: h=6 m=49
